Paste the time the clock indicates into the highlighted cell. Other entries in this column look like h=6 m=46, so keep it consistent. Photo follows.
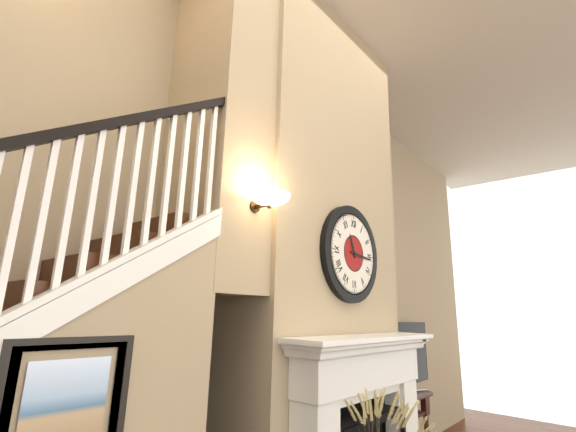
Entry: h=11 m=16
